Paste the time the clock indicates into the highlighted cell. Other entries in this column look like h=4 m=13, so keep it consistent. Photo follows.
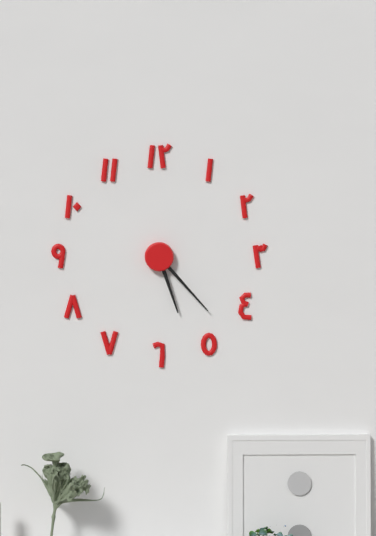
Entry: h=5 m=23
